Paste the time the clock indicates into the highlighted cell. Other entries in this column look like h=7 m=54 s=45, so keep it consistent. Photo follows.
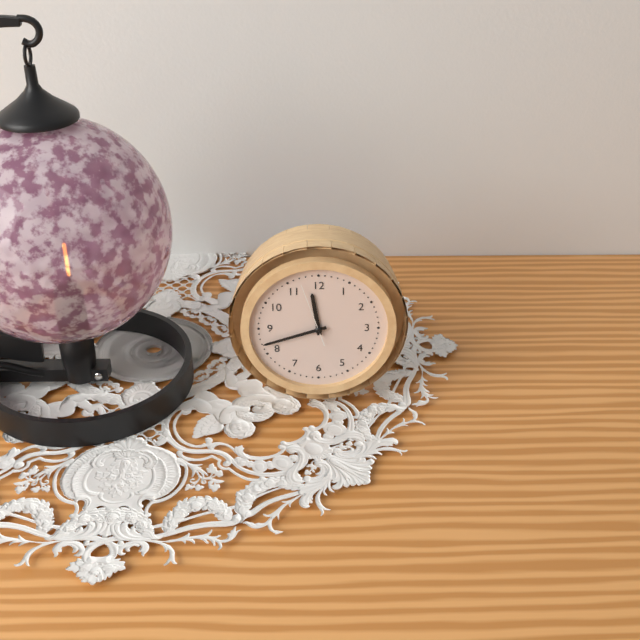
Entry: h=11 m=42 s=57
